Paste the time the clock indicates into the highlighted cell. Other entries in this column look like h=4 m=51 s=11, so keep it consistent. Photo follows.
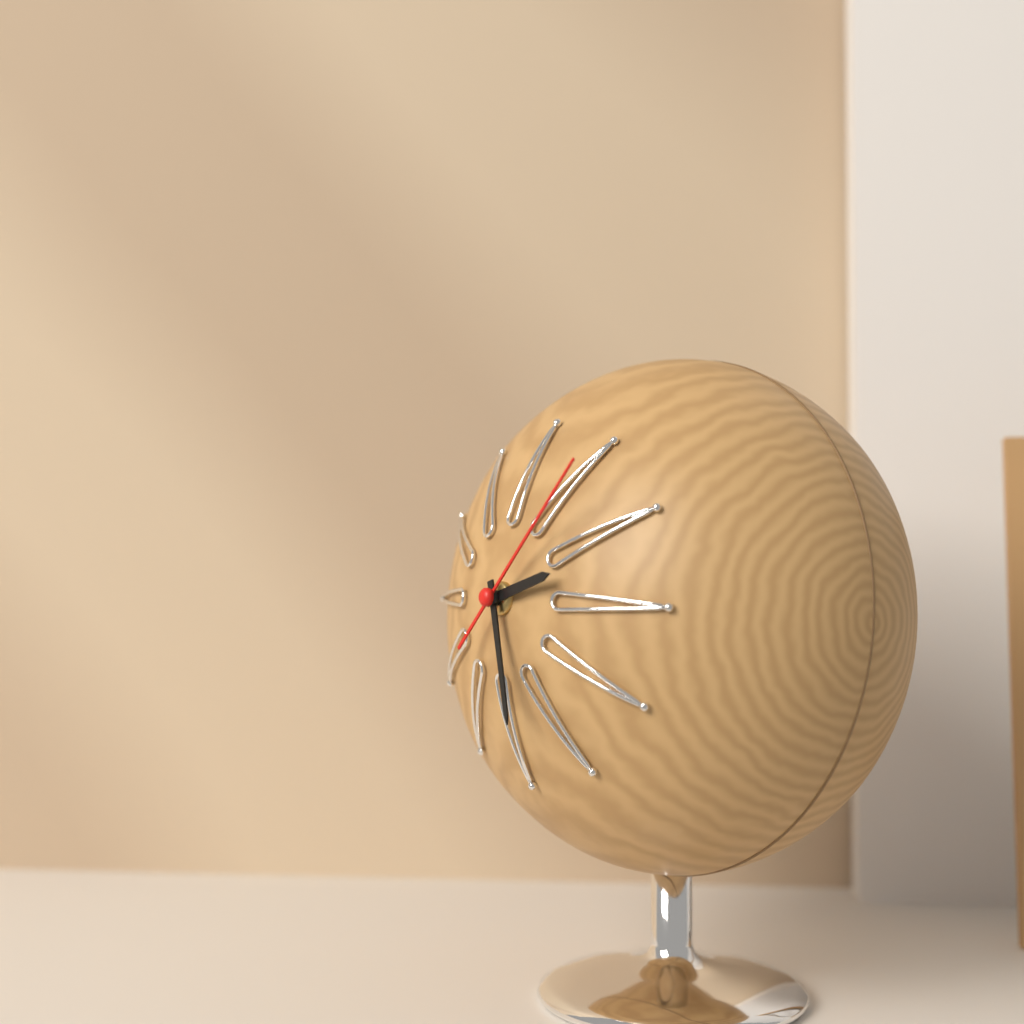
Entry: h=2 m=27 s=7
